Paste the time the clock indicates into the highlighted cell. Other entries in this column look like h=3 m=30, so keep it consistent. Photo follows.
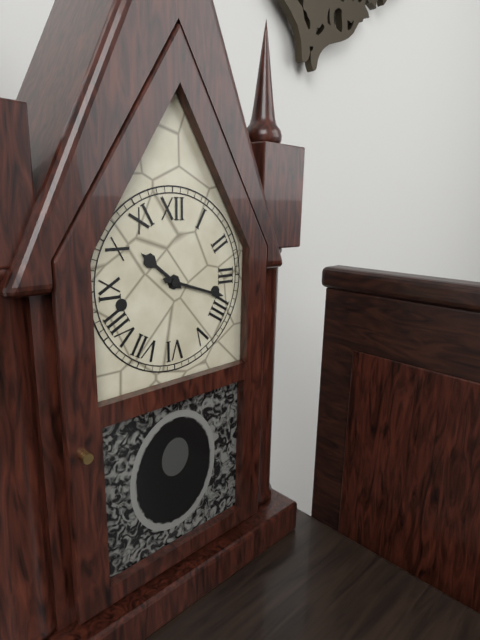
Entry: h=10 m=18
